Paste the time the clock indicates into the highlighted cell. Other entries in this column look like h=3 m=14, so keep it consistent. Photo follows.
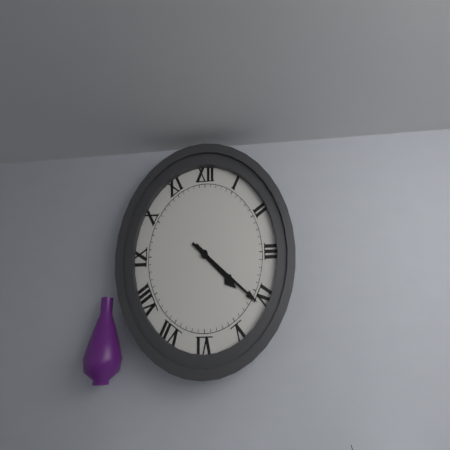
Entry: h=4 m=21
